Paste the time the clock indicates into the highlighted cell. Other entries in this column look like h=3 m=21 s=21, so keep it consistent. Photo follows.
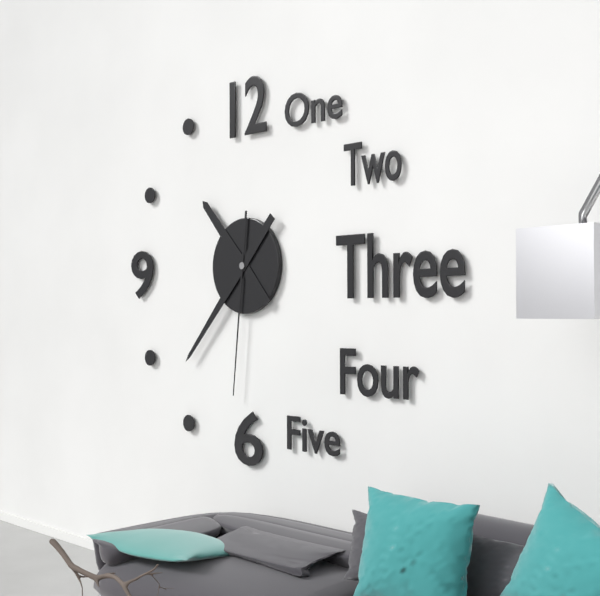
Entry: h=10 m=37 s=31
